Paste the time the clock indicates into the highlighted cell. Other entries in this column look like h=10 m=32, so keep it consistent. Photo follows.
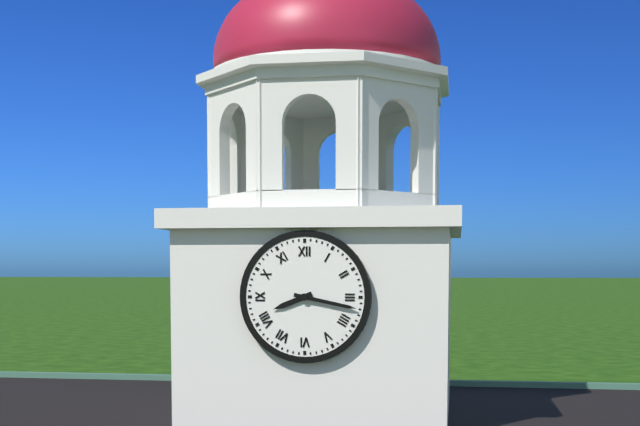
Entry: h=8 m=17
